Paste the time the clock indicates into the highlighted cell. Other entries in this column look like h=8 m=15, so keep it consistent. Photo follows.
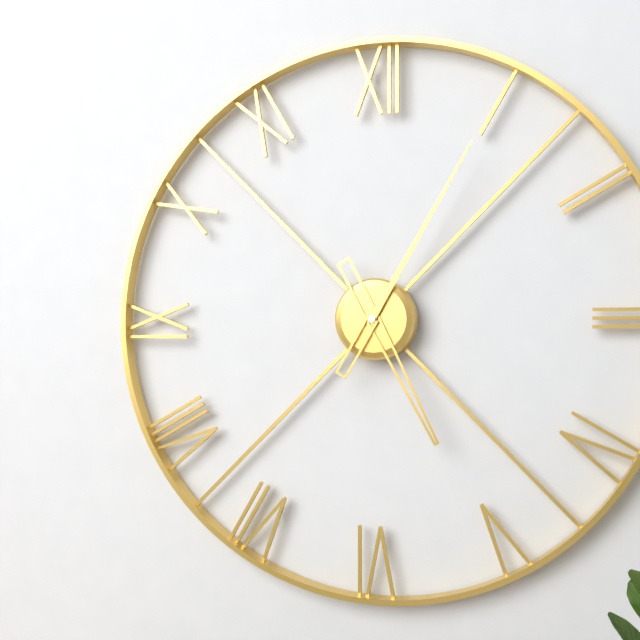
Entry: h=5 m=5
